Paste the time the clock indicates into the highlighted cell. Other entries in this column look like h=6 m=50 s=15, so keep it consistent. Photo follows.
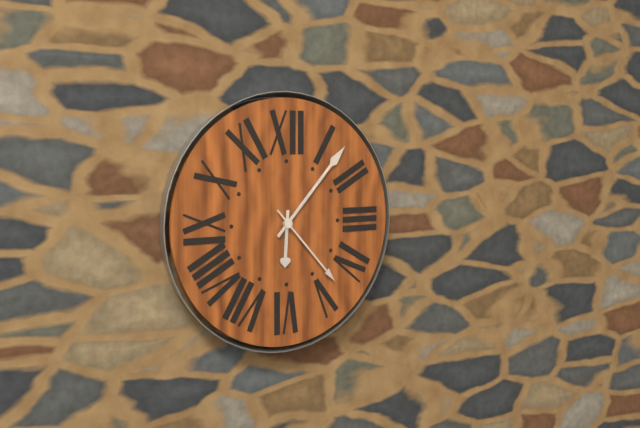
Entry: h=6 m=7 s=23
